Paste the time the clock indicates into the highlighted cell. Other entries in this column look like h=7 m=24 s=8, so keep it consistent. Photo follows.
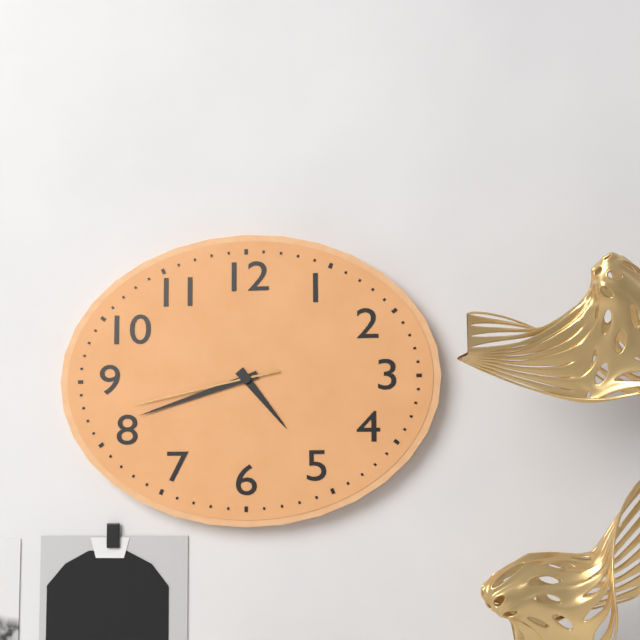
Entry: h=4 m=42 s=43
